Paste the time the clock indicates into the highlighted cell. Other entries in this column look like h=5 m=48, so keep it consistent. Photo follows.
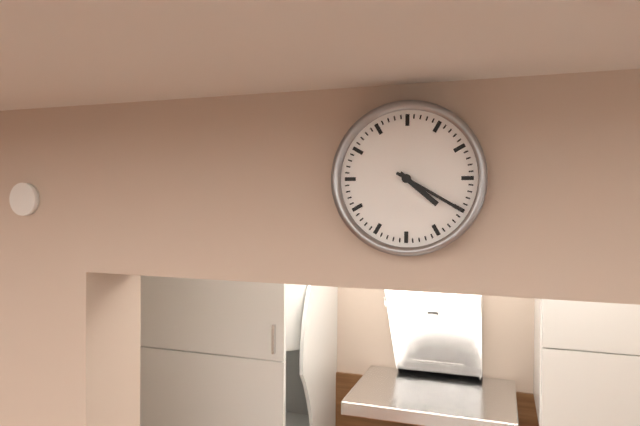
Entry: h=4 m=20
